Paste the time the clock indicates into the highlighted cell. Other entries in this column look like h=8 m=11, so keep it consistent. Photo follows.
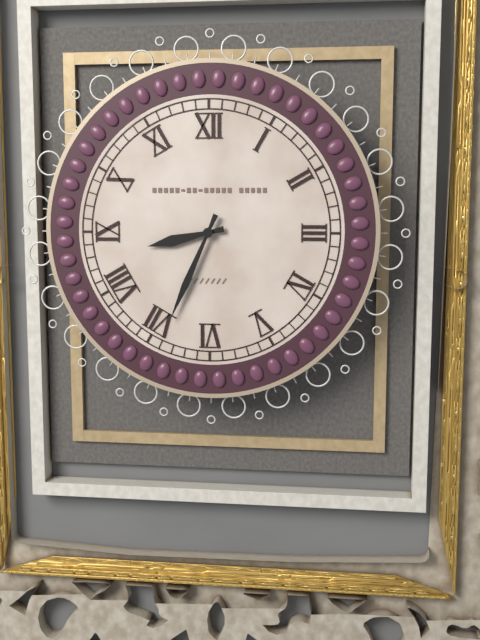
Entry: h=8 m=34
